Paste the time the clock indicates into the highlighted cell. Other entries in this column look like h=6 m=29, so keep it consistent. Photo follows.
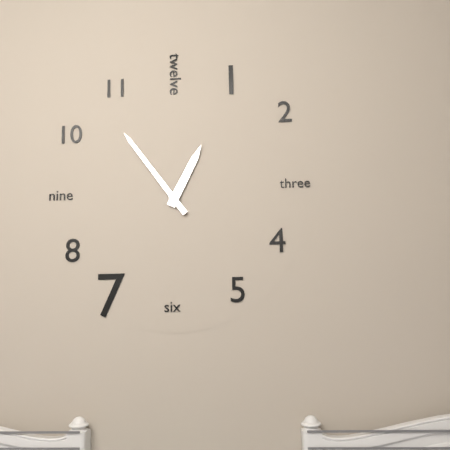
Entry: h=12 m=54
